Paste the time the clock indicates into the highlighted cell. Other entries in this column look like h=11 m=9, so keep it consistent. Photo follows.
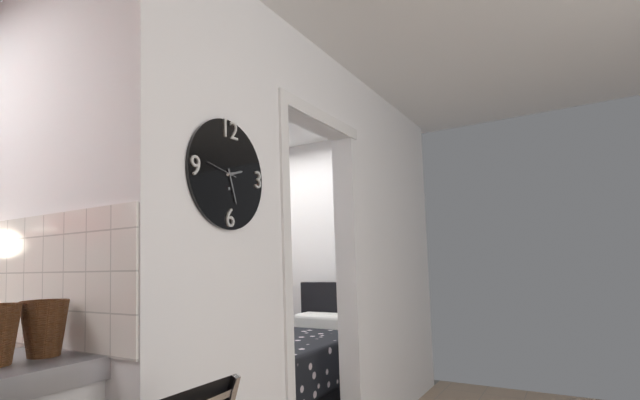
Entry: h=2 m=27
